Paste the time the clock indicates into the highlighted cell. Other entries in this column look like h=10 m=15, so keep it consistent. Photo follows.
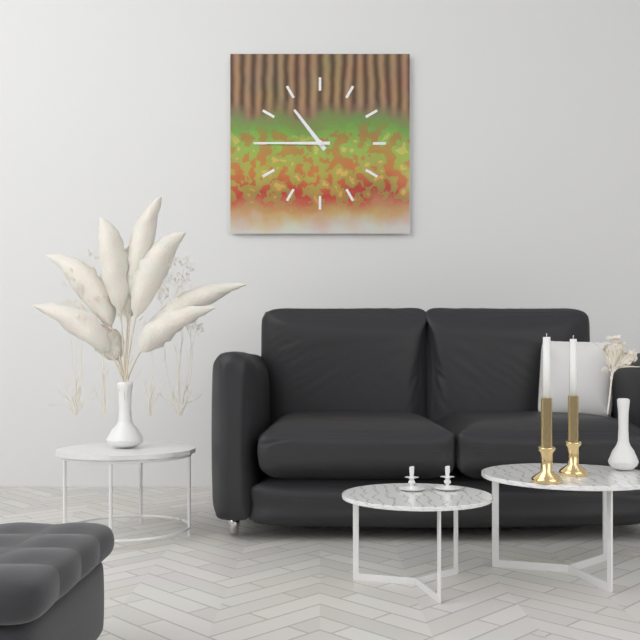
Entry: h=10 m=45
